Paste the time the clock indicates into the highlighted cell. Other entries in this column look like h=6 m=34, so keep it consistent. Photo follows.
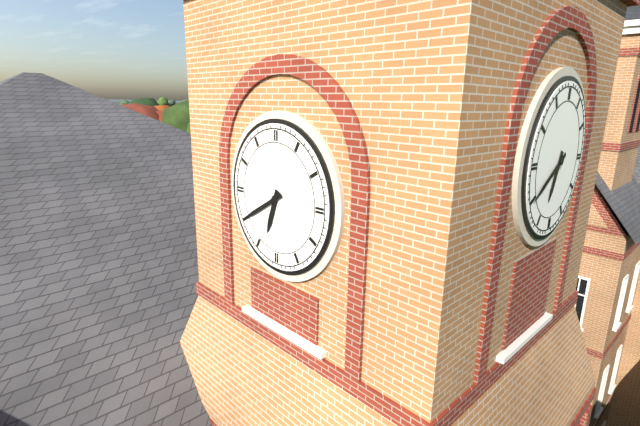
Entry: h=6 m=40
